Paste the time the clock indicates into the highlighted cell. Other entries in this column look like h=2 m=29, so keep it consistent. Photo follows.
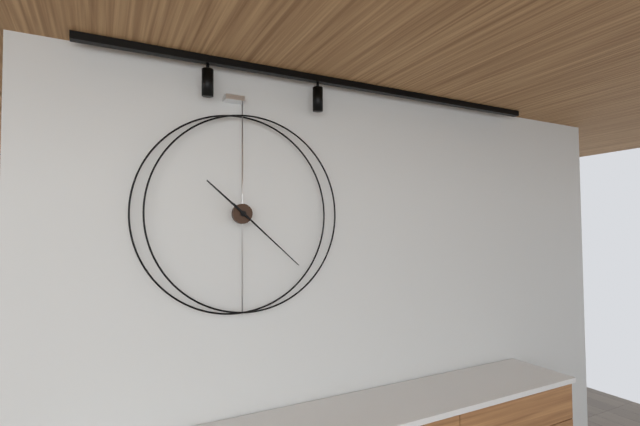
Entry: h=10 m=22
